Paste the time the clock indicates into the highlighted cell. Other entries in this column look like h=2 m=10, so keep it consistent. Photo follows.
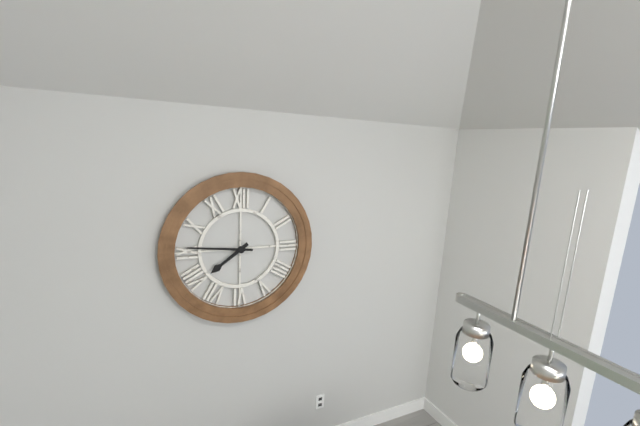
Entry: h=7 m=46
